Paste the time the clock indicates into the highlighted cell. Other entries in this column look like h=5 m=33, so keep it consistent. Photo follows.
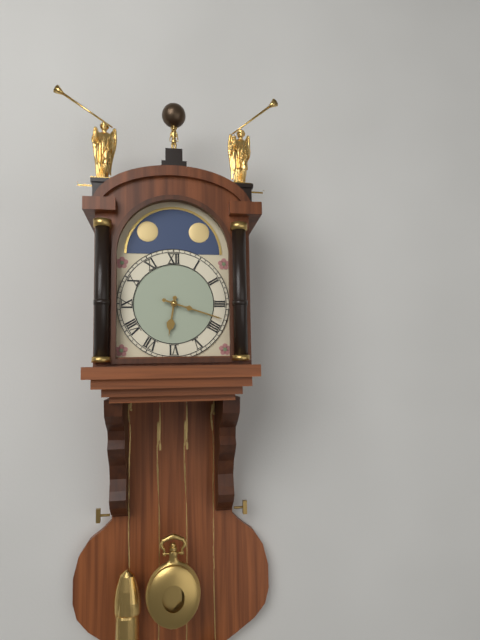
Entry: h=6 m=18
